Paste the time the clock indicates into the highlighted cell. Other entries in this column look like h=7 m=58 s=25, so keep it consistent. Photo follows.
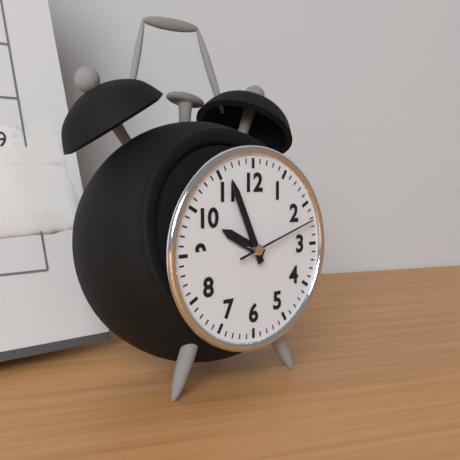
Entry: h=9 m=56 s=12
